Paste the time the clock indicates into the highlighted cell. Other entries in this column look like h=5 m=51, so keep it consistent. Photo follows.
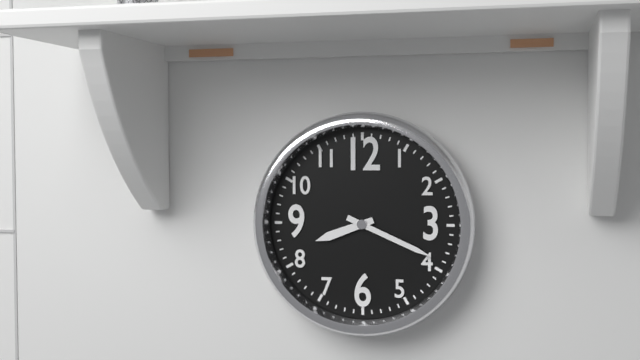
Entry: h=8 m=19
